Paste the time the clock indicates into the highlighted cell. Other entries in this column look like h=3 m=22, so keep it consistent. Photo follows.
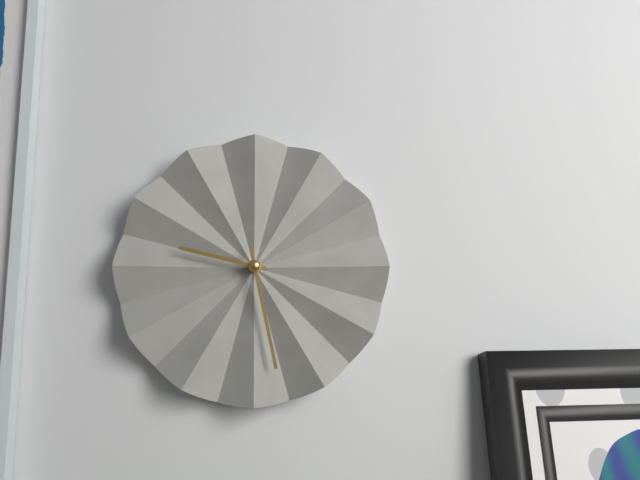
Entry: h=9 m=28
